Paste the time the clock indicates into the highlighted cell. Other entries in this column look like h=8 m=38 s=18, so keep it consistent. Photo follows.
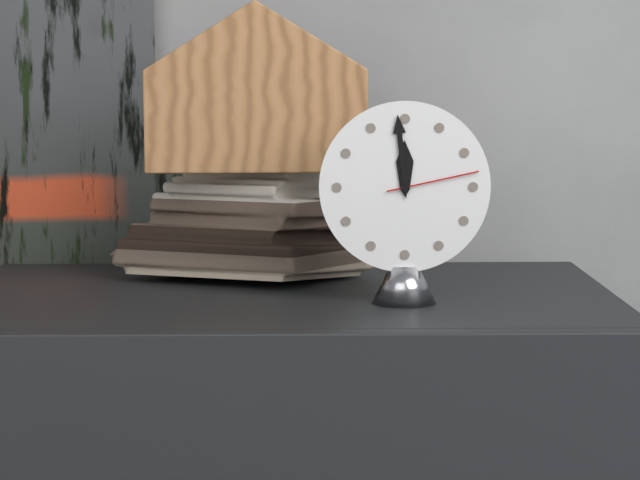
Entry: h=11 m=59 s=13
